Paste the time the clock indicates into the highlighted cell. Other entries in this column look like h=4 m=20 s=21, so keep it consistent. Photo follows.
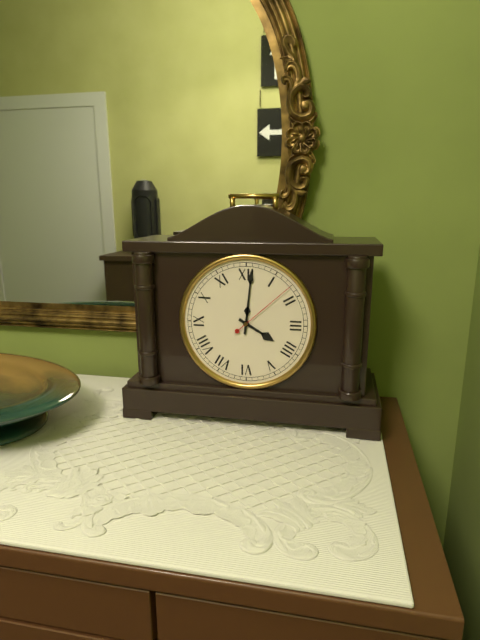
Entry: h=4 m=1 s=8
